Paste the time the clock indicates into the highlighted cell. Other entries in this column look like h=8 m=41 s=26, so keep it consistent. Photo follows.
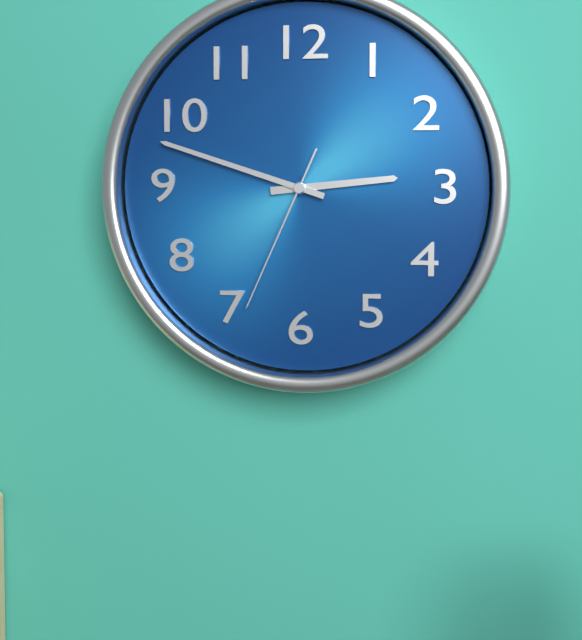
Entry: h=2 m=48 s=34
